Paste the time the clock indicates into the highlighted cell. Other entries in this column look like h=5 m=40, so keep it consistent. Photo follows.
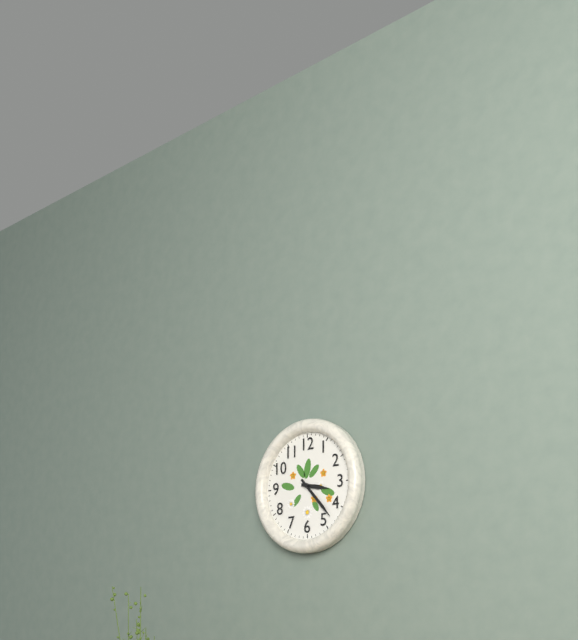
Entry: h=3 m=23
